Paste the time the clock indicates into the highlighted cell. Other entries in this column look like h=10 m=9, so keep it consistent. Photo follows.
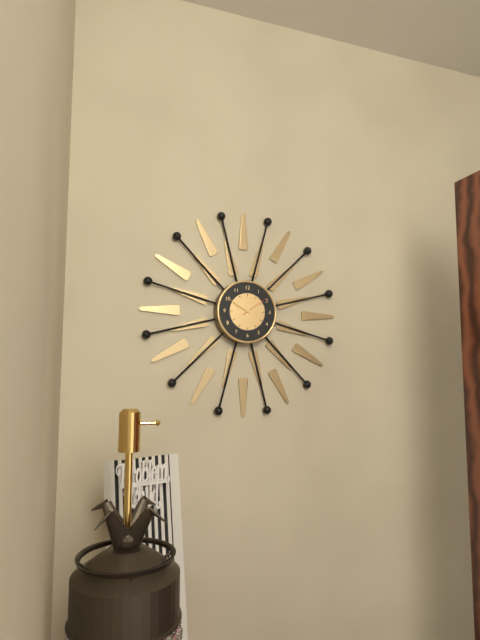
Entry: h=9 m=50
